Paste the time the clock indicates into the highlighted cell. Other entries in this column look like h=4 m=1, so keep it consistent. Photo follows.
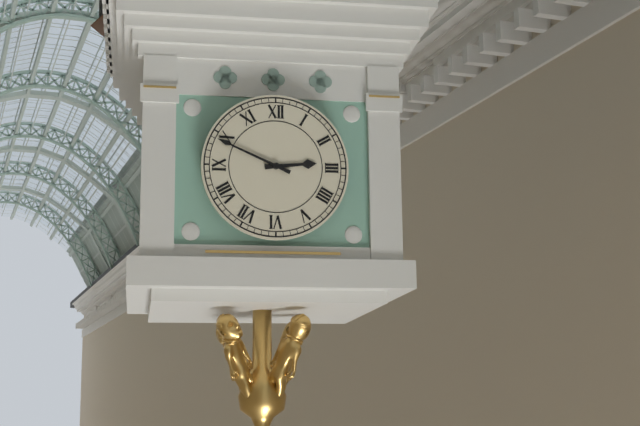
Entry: h=2 m=49
